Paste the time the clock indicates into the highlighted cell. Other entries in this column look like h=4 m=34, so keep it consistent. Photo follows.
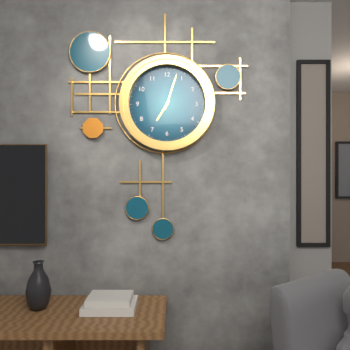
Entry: h=7 m=3
